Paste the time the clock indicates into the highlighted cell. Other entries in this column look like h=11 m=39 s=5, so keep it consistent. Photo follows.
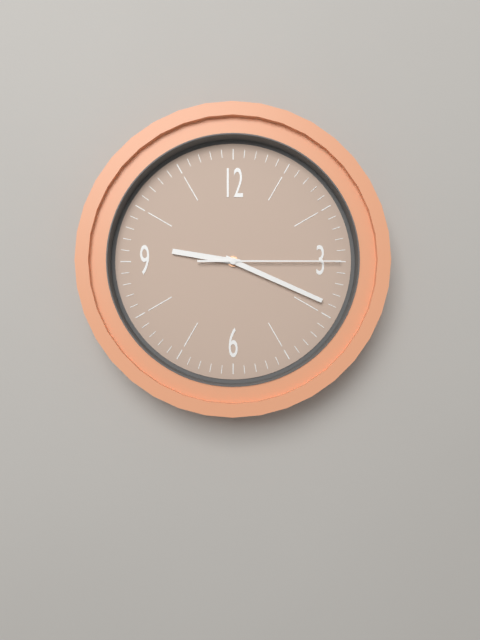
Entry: h=9 m=19 s=15
